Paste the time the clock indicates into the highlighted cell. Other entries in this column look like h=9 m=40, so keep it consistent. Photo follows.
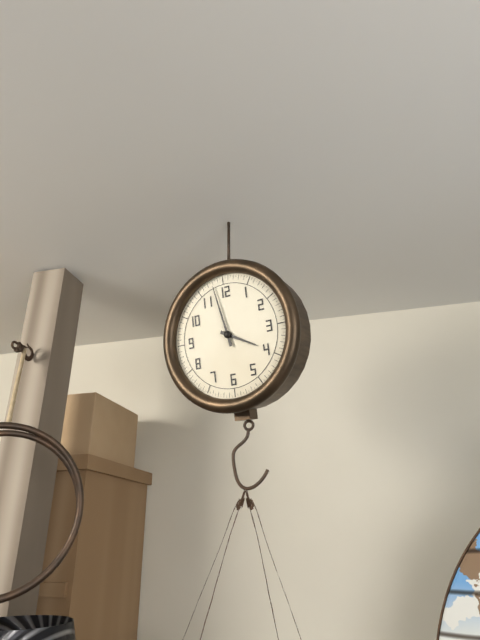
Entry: h=3 m=58
